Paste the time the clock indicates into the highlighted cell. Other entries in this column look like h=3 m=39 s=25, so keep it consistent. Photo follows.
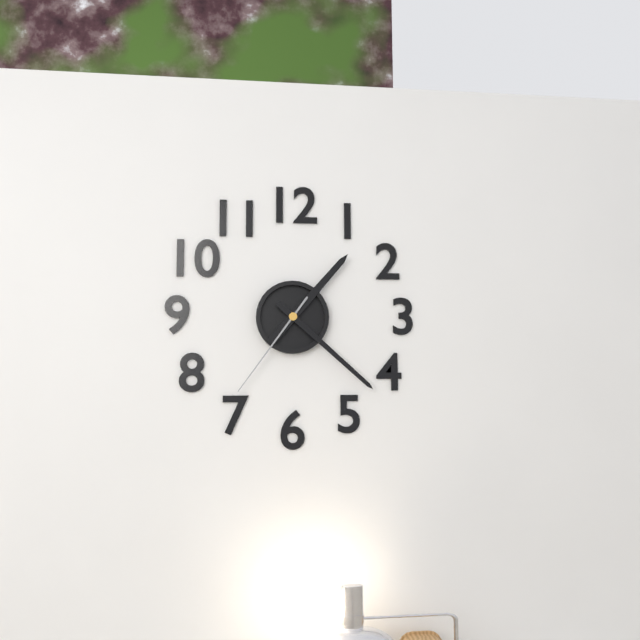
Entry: h=1 m=22 s=36
